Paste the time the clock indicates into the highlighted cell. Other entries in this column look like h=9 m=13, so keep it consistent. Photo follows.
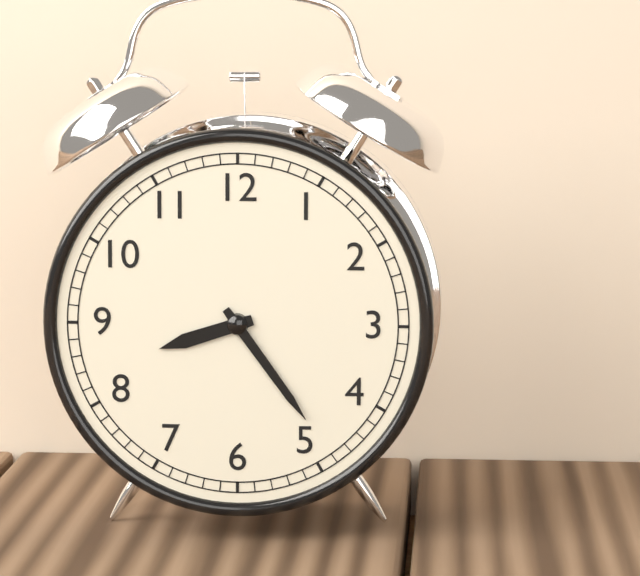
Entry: h=8 m=24
